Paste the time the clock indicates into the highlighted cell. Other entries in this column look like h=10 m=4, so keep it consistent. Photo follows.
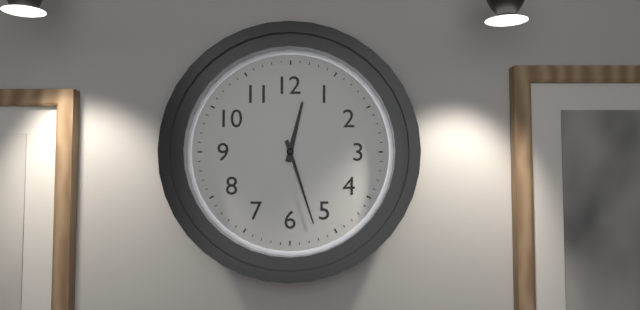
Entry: h=12 m=27
